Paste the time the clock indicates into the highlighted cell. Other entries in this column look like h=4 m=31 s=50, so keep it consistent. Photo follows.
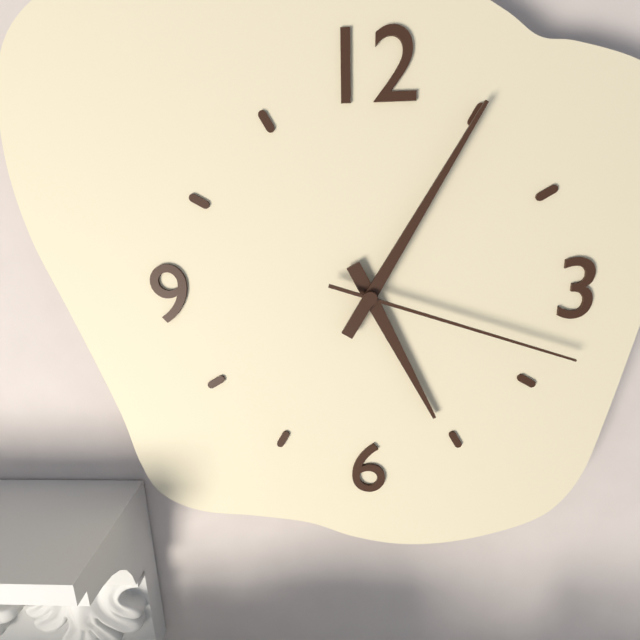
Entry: h=5 m=5 s=18
